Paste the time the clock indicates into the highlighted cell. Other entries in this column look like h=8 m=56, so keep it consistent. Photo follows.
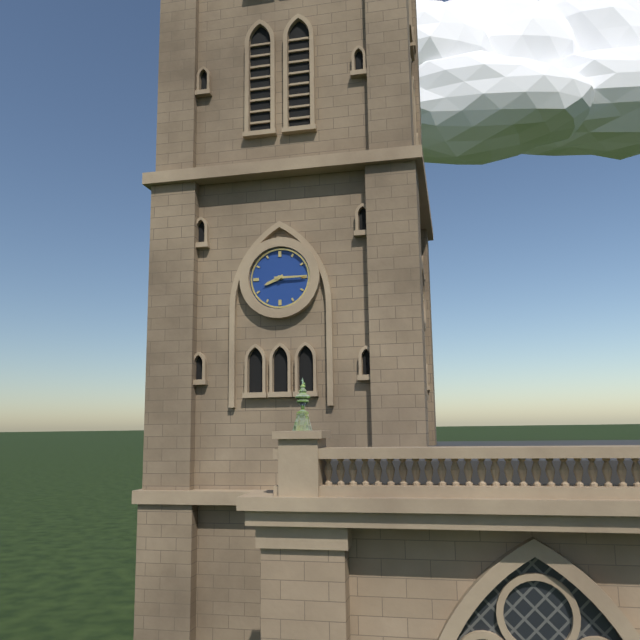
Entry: h=8 m=15
